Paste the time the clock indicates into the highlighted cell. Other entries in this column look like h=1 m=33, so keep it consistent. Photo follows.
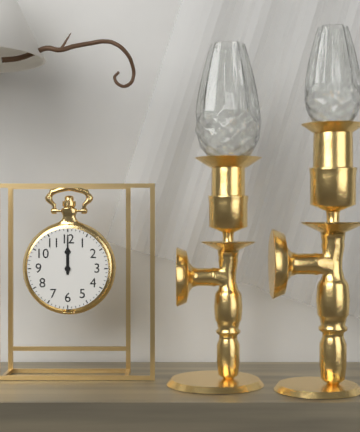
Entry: h=12 m=0
